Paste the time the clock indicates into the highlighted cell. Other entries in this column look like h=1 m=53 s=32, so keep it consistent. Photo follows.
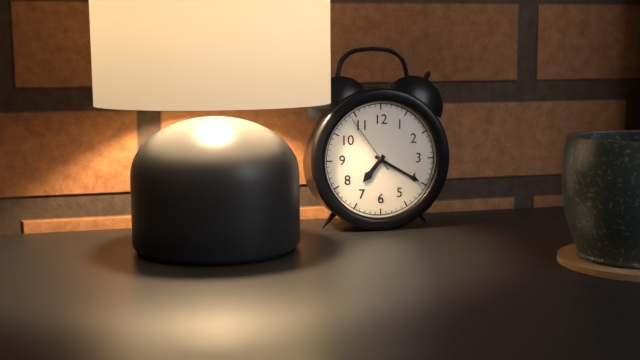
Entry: h=7 m=20 s=54
